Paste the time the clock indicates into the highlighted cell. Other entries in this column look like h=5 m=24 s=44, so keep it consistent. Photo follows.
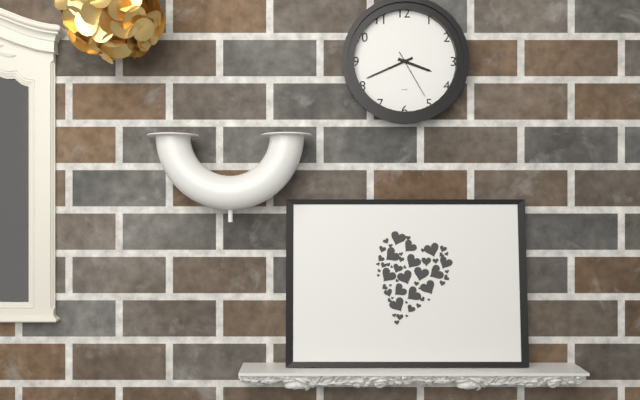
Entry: h=3 m=41 s=25
